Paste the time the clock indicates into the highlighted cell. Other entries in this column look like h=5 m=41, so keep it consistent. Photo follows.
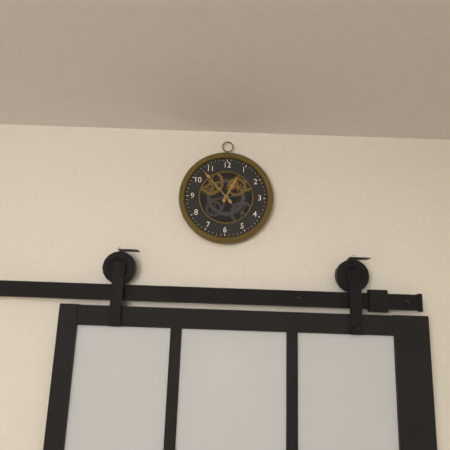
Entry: h=12 m=53
